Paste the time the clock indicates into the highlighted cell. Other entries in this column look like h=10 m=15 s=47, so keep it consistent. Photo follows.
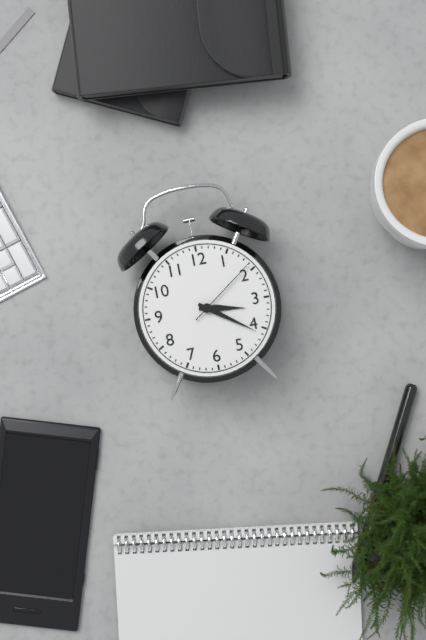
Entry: h=3 m=21 s=9
